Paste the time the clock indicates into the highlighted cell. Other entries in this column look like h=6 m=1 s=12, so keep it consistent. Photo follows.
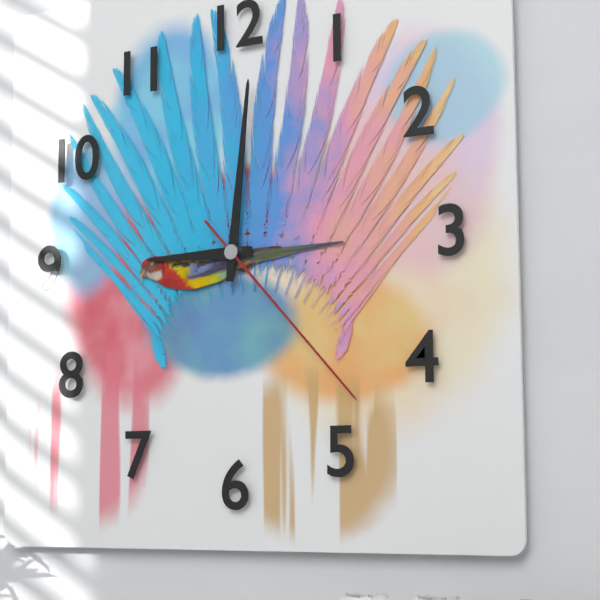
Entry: h=9 m=1 s=23
